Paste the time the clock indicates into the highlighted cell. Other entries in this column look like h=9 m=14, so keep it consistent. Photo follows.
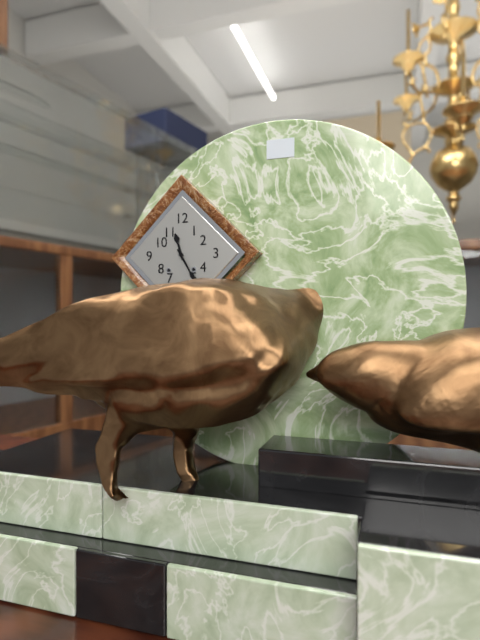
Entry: h=11 m=25
